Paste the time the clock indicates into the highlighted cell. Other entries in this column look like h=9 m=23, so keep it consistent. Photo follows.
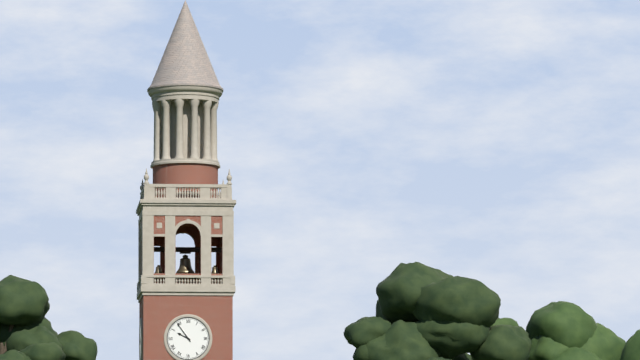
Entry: h=9 m=54
